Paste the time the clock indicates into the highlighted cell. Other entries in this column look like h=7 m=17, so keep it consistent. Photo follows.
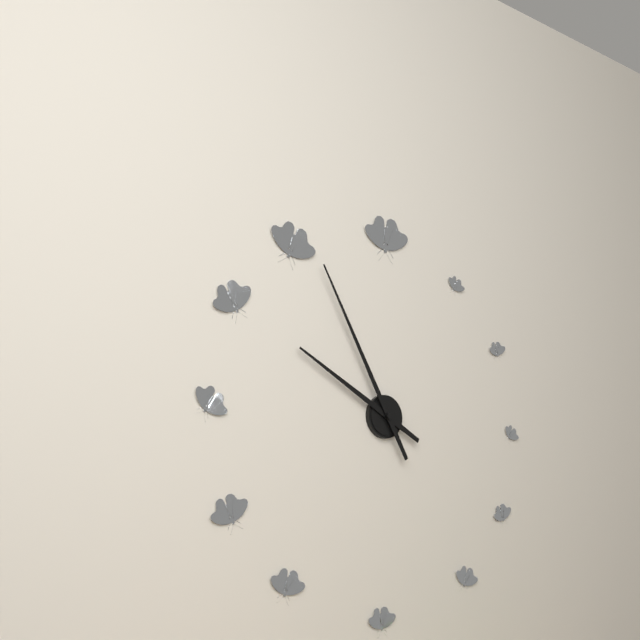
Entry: h=9 m=55
